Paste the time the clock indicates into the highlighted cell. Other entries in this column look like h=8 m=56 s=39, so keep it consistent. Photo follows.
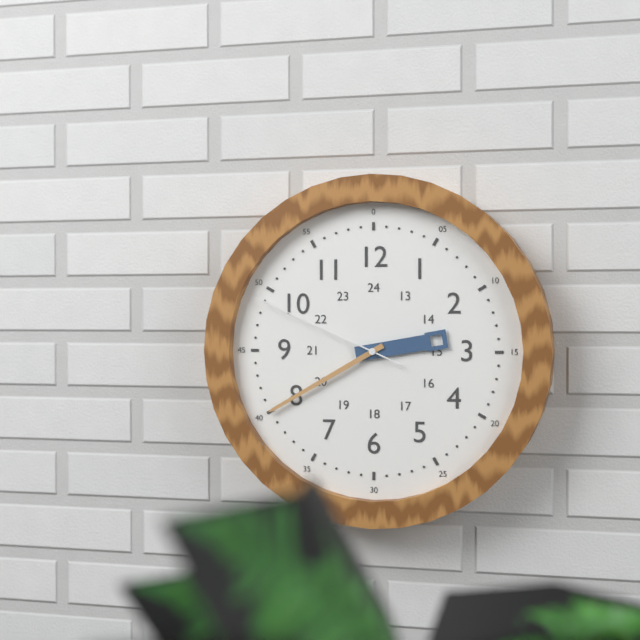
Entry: h=2 m=40 s=49
